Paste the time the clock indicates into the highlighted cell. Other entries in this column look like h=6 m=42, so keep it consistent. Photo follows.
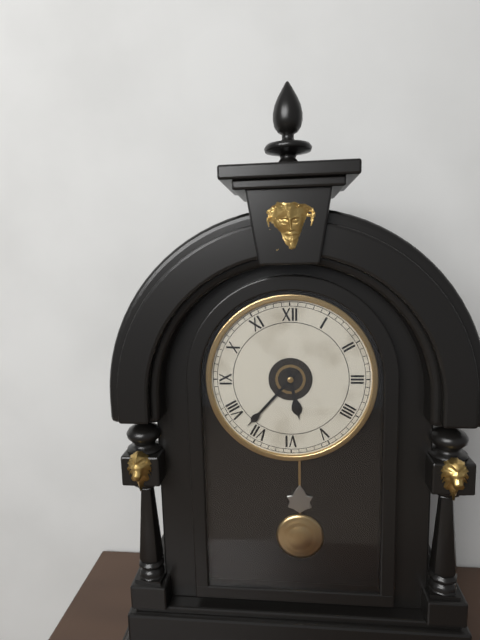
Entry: h=5 m=37
